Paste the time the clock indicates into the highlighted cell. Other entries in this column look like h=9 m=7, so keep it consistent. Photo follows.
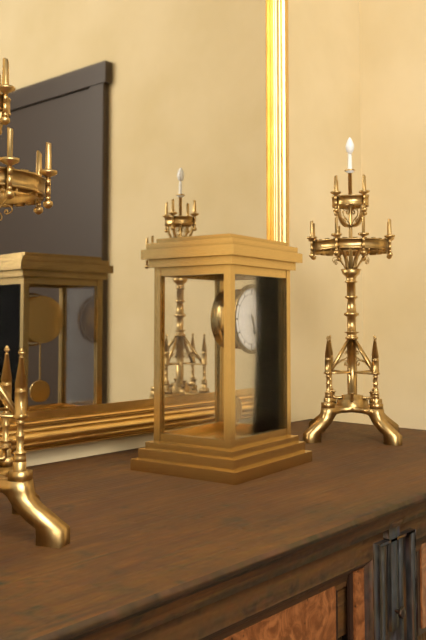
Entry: h=5 m=26
